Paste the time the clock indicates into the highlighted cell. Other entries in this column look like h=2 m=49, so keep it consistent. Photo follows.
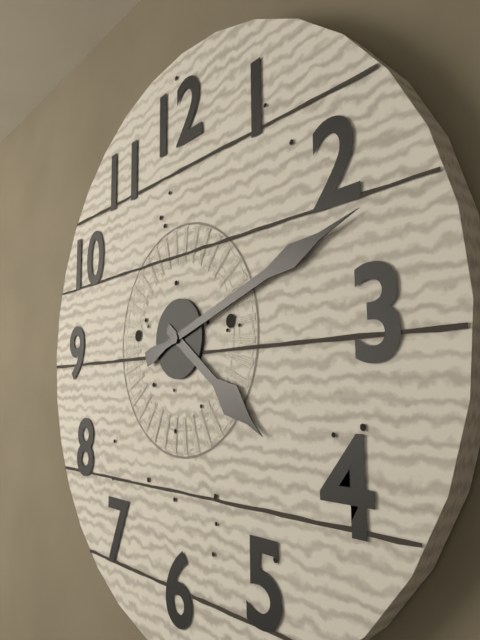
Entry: h=4 m=12
